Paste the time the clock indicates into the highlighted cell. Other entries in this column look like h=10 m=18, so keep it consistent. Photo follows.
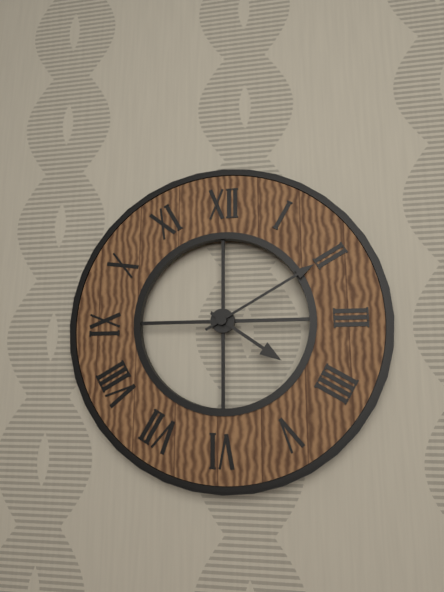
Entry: h=4 m=10
